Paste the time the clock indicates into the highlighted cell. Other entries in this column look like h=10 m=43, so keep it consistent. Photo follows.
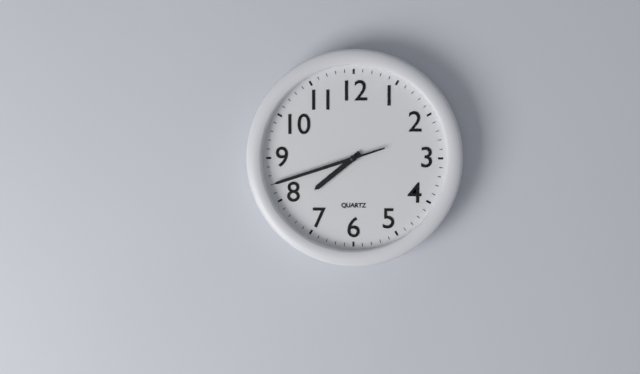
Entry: h=7 m=42
